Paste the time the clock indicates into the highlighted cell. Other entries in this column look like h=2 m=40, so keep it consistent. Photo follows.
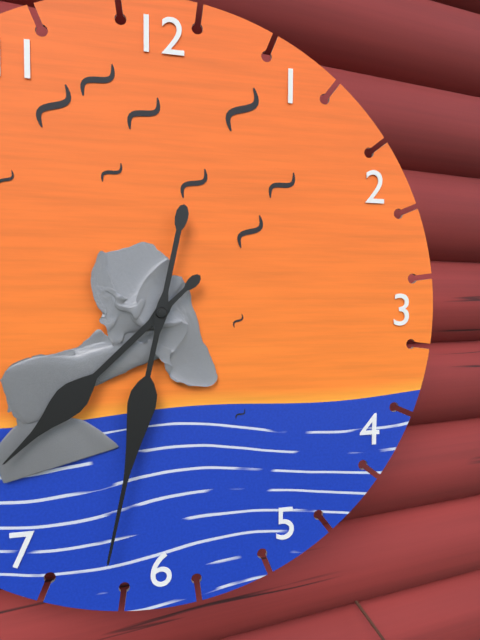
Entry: h=7 m=32
